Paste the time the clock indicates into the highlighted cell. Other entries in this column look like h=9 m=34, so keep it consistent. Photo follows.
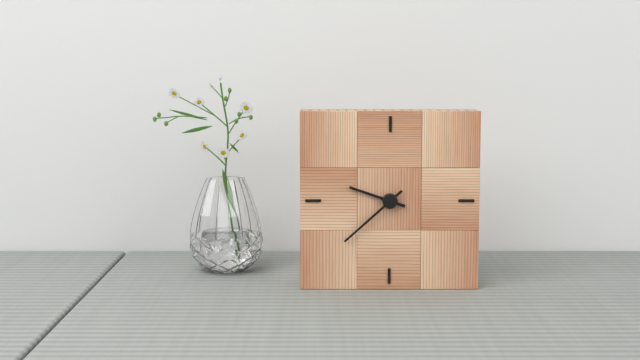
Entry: h=9 m=38
